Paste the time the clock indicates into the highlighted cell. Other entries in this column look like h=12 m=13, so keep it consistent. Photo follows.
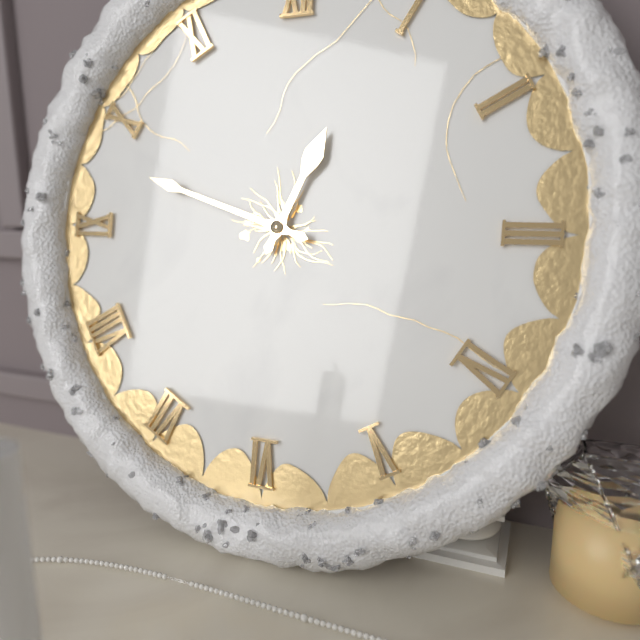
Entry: h=12 m=48
